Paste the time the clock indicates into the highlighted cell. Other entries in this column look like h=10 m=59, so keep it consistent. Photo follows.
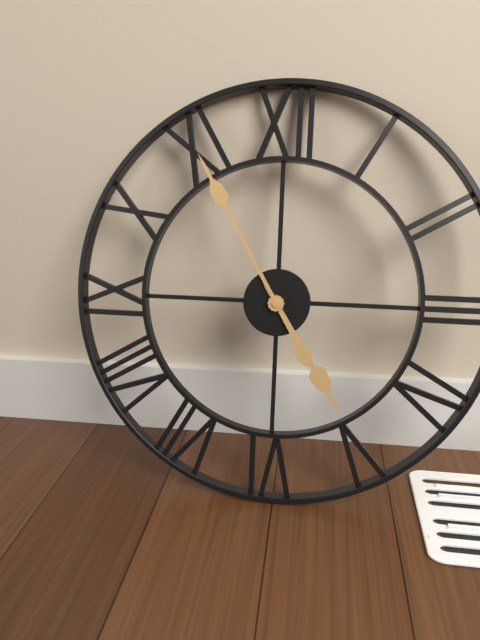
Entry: h=4 m=55
